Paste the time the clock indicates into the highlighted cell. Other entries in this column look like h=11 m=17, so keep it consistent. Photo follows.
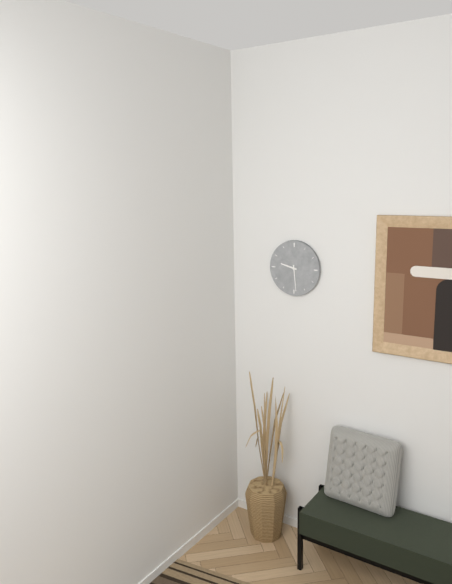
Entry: h=9 m=29
